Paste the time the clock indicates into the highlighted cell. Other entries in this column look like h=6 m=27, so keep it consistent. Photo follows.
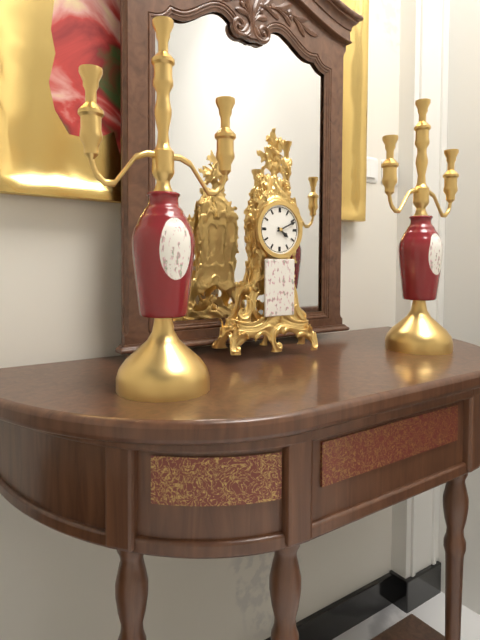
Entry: h=4 m=11
